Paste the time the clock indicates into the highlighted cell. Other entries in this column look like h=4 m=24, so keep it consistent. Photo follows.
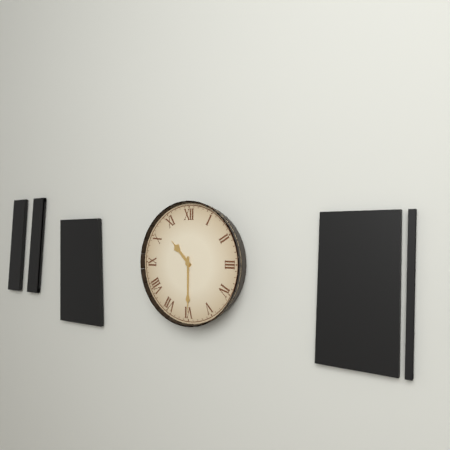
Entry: h=10 m=30
